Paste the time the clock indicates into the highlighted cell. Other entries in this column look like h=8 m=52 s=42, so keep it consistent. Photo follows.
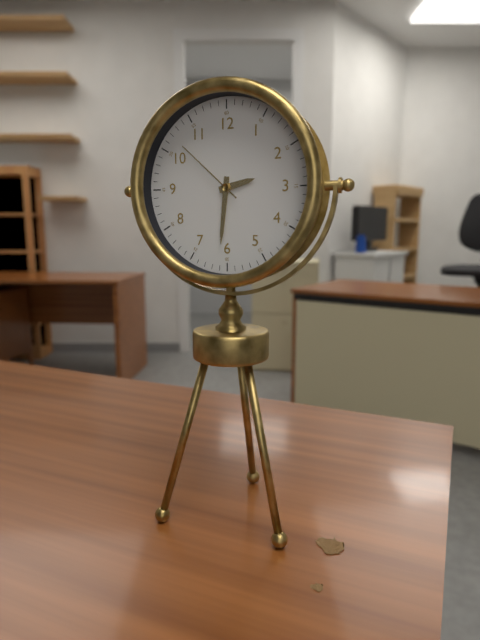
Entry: h=2 m=31 s=52
